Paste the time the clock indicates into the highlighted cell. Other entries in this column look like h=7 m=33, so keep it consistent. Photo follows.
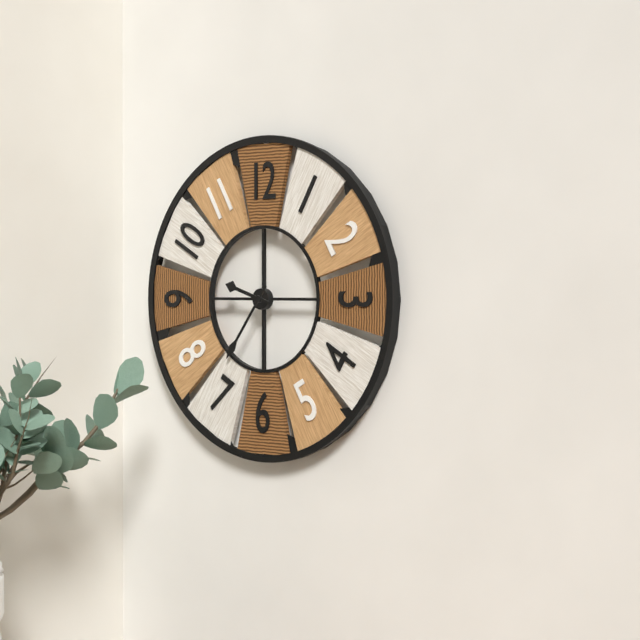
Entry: h=9 m=36
